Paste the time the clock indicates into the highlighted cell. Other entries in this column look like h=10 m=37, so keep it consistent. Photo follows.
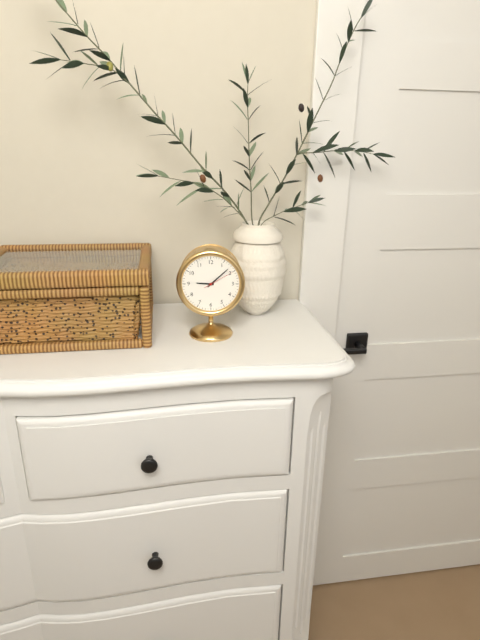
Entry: h=9 m=8
